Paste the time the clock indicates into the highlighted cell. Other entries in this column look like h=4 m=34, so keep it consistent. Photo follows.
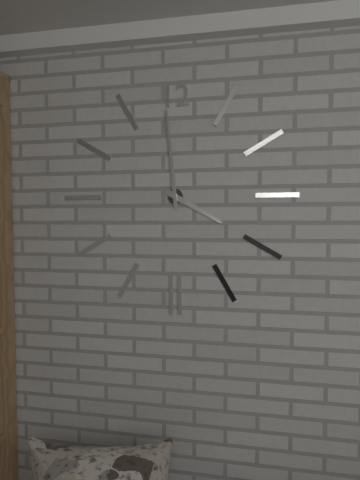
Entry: h=3 m=59
